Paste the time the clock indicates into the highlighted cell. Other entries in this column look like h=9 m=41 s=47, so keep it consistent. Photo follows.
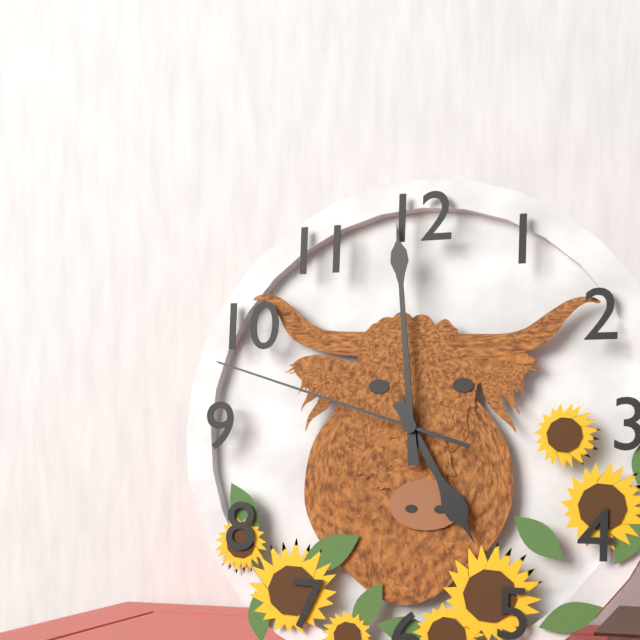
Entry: h=4 m=59 s=48
